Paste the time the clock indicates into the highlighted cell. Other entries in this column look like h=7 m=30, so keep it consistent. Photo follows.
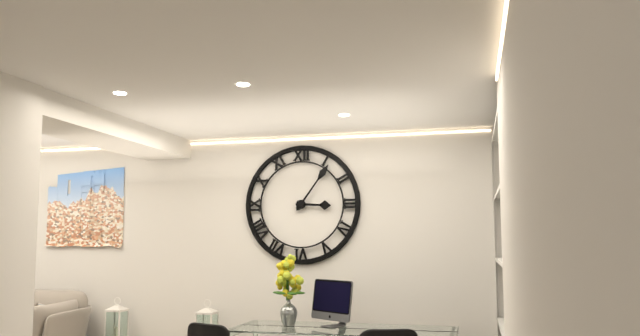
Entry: h=3 m=6
